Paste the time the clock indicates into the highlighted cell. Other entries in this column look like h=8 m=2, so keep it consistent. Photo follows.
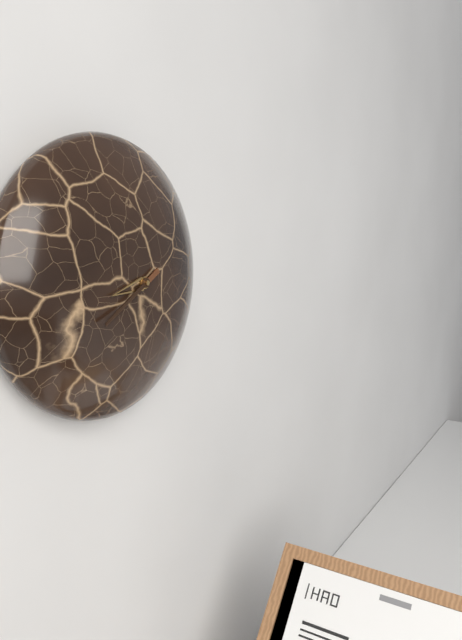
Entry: h=8 m=40
